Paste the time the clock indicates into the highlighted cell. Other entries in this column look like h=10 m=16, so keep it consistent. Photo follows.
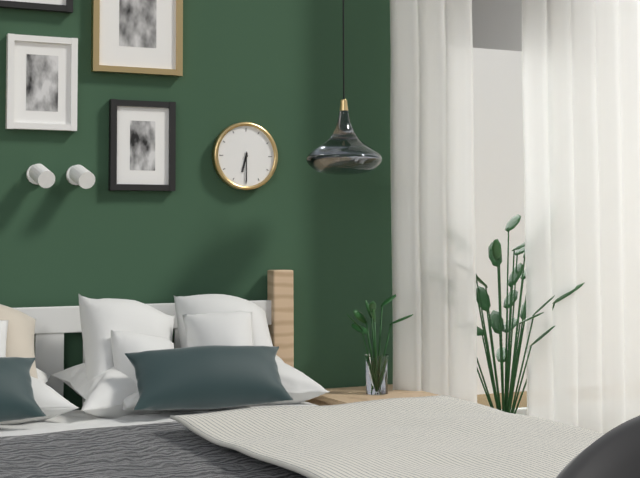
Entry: h=6 m=30
